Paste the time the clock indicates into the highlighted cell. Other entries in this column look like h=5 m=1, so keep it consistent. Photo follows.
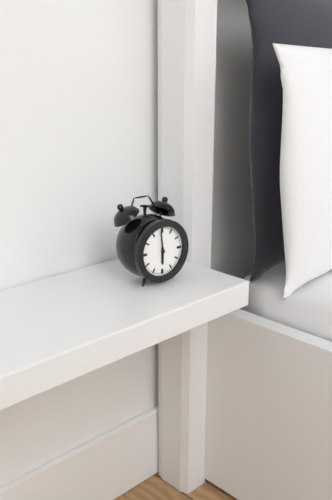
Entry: h=5 m=59
